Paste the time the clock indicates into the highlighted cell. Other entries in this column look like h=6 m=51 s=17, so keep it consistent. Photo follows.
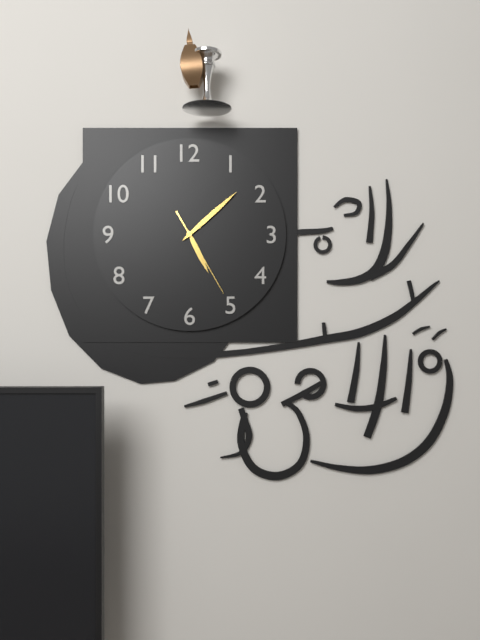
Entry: h=5 m=8 s=25
